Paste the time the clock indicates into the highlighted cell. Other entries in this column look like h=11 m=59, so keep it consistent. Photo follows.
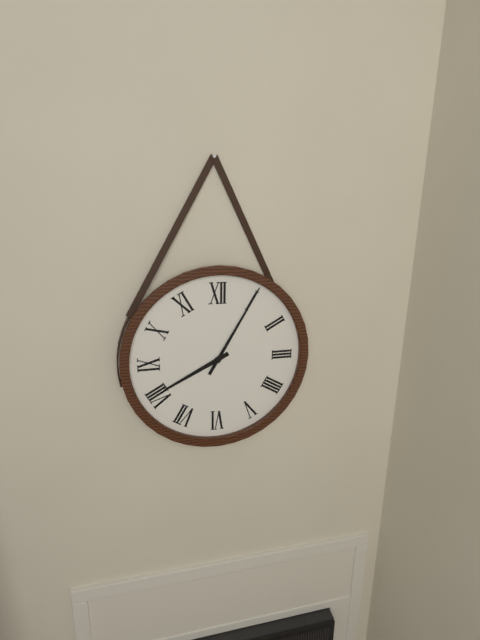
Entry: h=8 m=5
